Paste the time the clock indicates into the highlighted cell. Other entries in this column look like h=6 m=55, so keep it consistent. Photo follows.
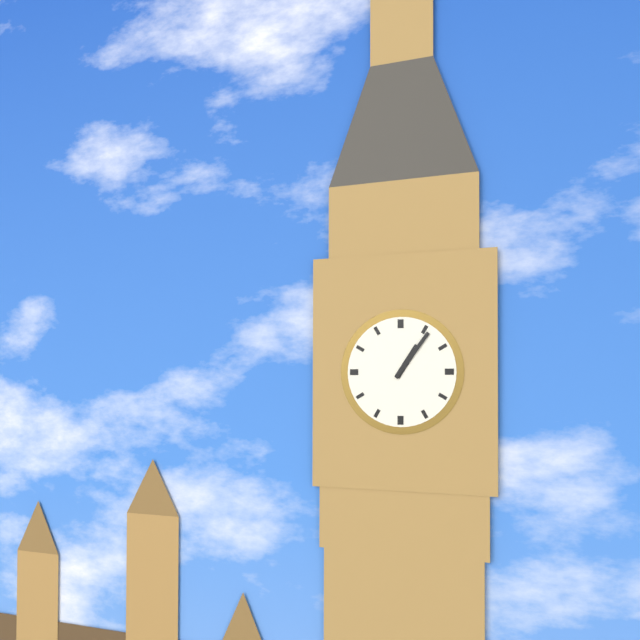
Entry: h=1 m=6
